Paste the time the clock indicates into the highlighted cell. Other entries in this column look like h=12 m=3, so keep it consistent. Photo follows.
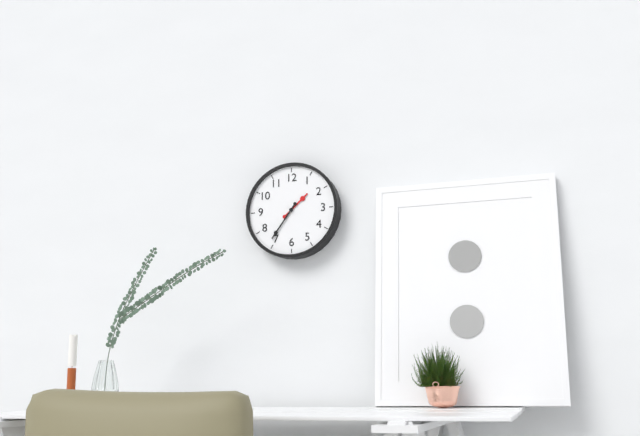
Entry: h=1 m=36
